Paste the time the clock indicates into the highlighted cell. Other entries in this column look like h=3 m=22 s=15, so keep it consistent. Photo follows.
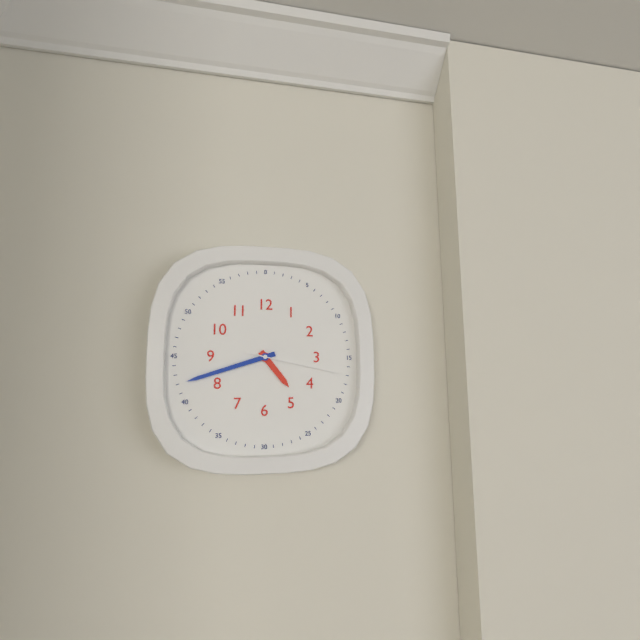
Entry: h=4 m=42 s=17
